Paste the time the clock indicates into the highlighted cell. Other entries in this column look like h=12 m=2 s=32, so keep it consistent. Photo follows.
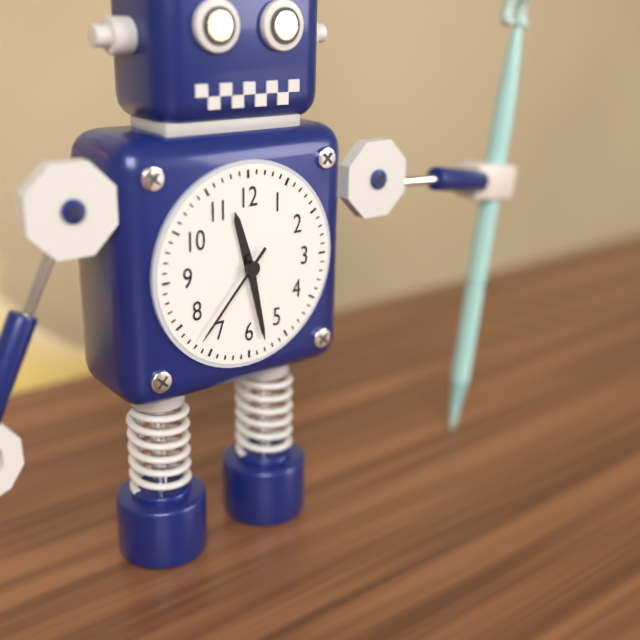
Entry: h=11 m=28 s=37
